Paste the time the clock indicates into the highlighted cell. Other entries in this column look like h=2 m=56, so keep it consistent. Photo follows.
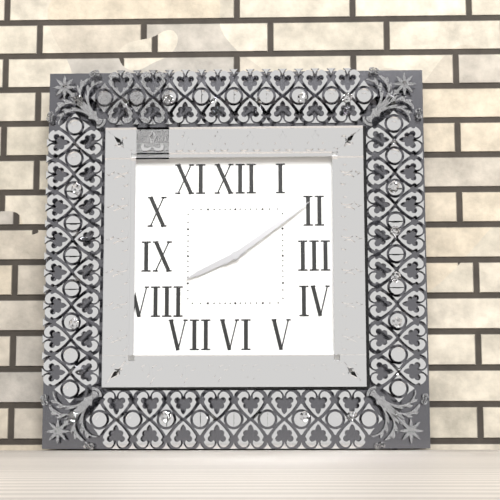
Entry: h=8 m=9
